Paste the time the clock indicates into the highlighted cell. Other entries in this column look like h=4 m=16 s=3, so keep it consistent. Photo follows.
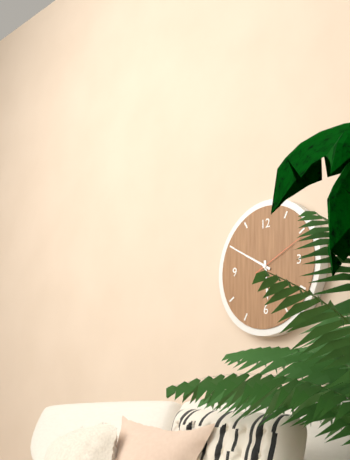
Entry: h=5 m=50 s=11
